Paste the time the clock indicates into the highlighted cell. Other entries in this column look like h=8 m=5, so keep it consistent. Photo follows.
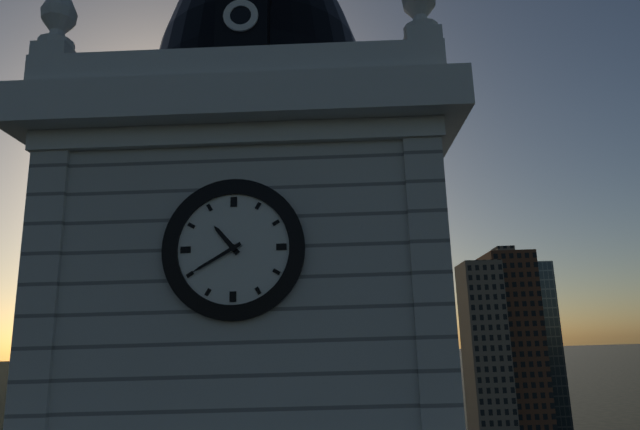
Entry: h=10 m=40
